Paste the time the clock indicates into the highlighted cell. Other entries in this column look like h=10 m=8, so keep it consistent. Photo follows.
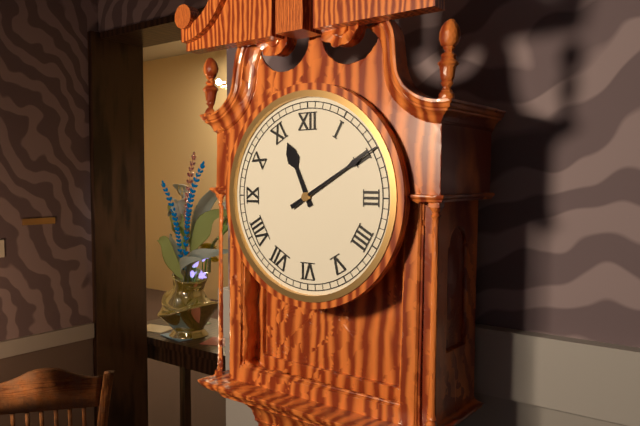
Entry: h=11 m=10
